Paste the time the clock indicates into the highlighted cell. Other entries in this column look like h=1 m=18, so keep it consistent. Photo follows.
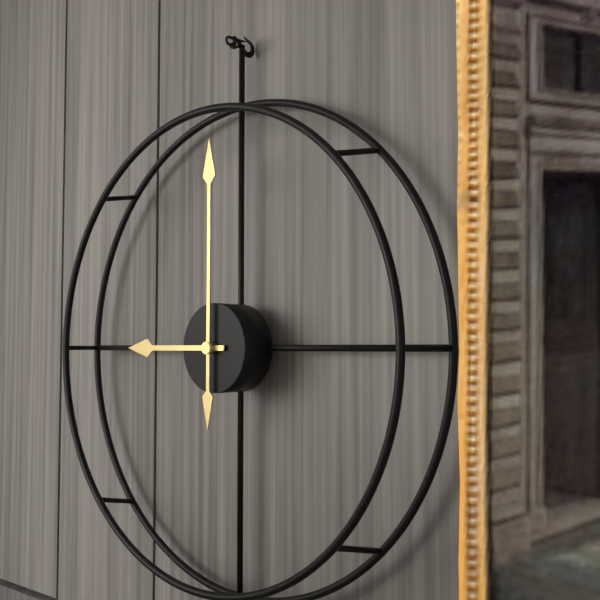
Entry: h=9 m=0
